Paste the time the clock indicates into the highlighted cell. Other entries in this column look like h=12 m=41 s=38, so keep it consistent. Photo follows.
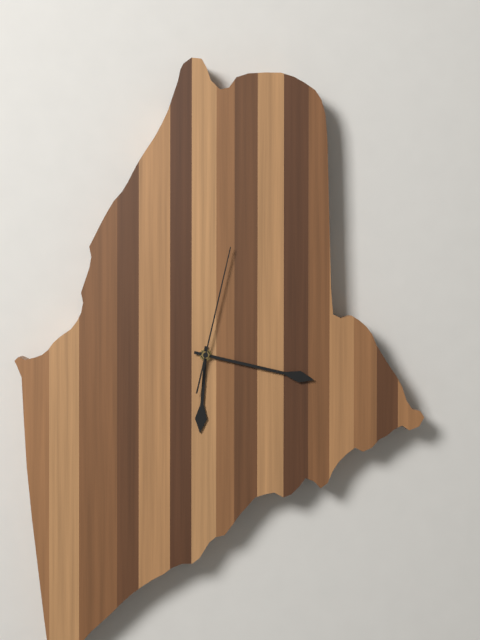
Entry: h=6 m=18 s=3
